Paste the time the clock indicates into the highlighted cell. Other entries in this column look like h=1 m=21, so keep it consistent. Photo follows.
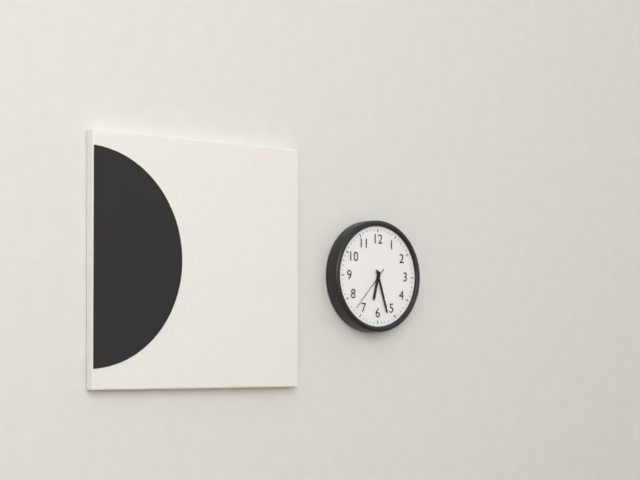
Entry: h=6 m=27
